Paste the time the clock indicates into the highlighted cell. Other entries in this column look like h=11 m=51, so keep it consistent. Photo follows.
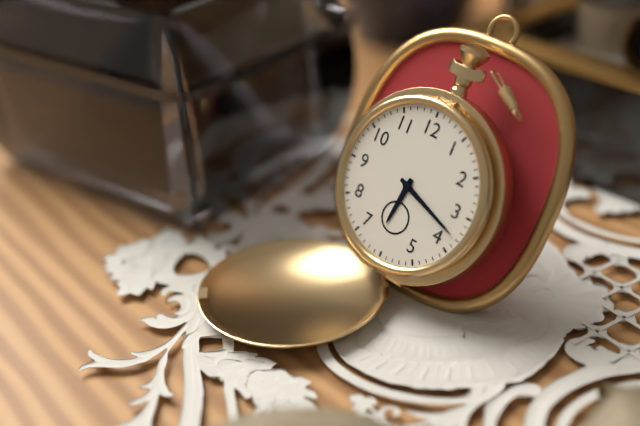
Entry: h=6 m=18
